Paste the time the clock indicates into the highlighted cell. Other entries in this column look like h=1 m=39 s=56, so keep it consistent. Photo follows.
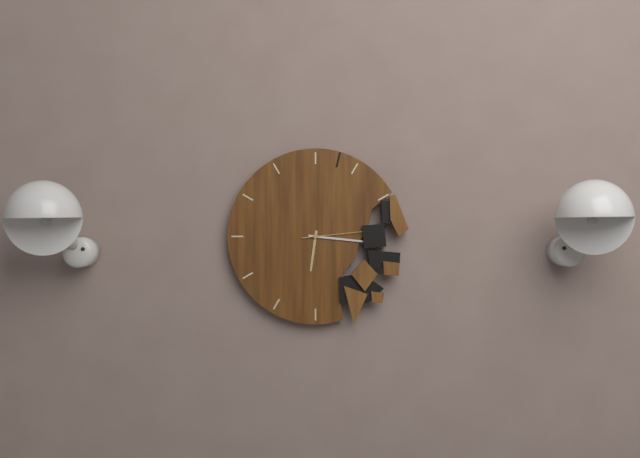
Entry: h=6 m=16 s=14
